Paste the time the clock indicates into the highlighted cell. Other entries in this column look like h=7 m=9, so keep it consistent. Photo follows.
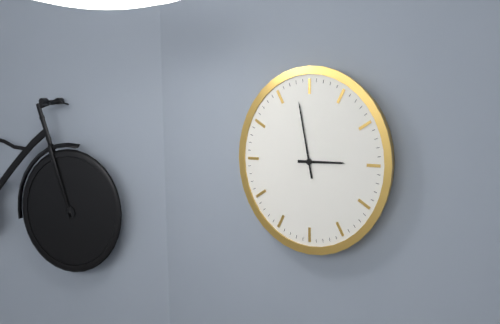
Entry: h=2 m=58
